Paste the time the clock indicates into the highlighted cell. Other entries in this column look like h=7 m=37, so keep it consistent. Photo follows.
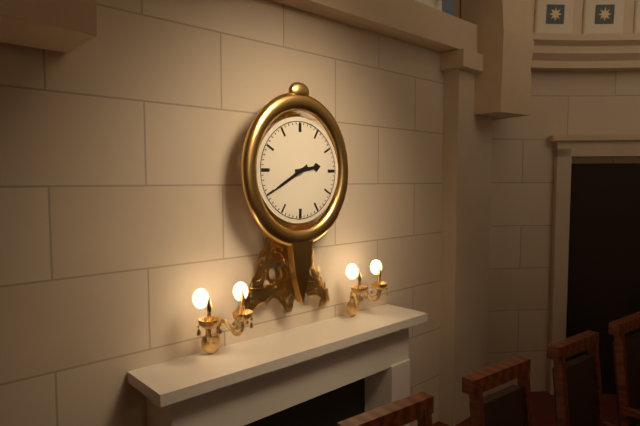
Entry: h=2 m=40
